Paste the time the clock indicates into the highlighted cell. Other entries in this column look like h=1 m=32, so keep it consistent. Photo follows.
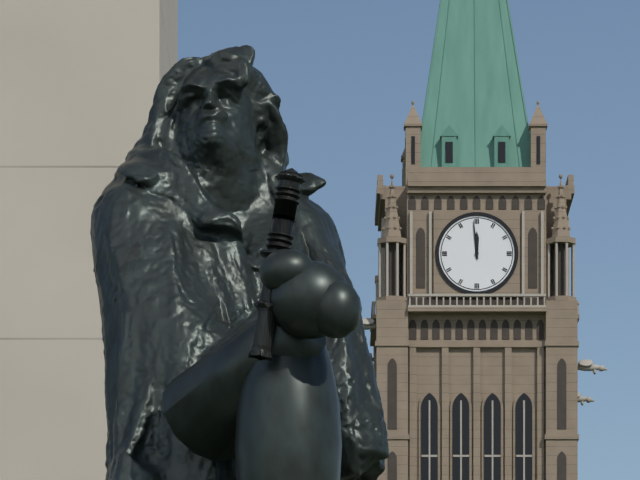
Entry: h=11 m=59
